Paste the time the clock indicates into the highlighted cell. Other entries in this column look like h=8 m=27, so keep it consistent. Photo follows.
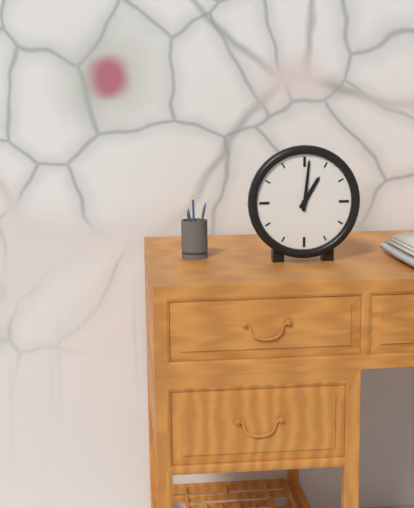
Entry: h=1 m=1
